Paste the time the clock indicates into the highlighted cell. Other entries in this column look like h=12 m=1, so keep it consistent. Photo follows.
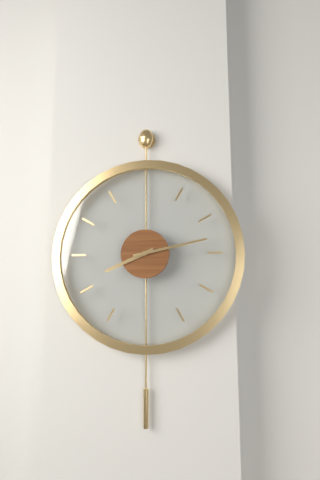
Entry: h=8 m=13
